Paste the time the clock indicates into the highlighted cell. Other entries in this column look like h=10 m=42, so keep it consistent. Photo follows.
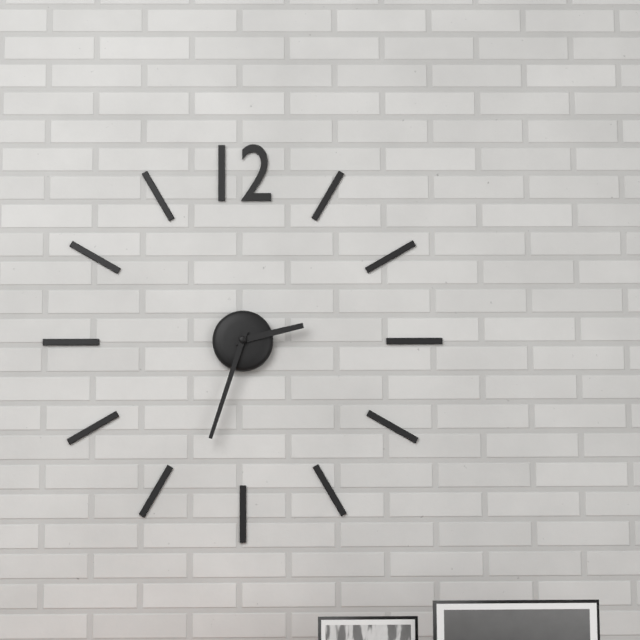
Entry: h=2 m=33
